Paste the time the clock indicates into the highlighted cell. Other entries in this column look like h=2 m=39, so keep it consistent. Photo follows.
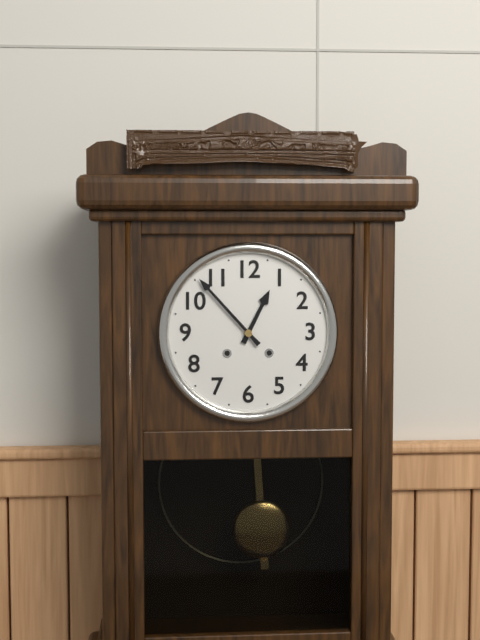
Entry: h=12 m=53
